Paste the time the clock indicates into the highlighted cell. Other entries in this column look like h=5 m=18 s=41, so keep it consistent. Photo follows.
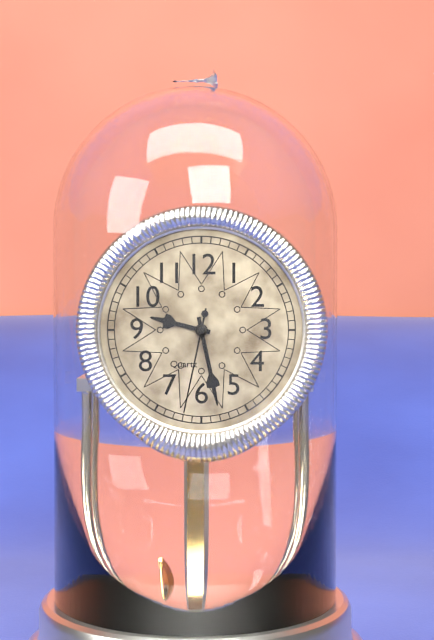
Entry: h=9 m=28 s=32
